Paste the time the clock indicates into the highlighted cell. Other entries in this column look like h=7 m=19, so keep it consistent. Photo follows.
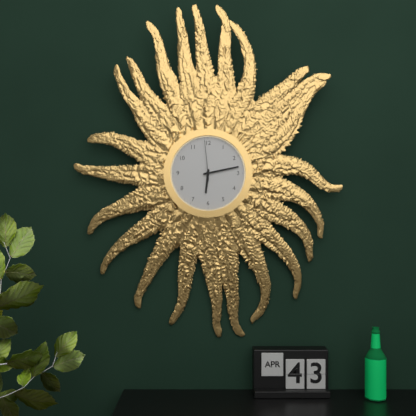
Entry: h=6 m=13
